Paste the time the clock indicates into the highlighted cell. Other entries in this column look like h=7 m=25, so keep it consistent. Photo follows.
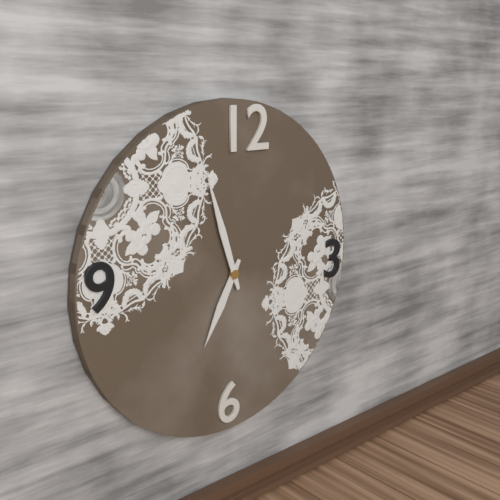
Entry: h=6 m=57
